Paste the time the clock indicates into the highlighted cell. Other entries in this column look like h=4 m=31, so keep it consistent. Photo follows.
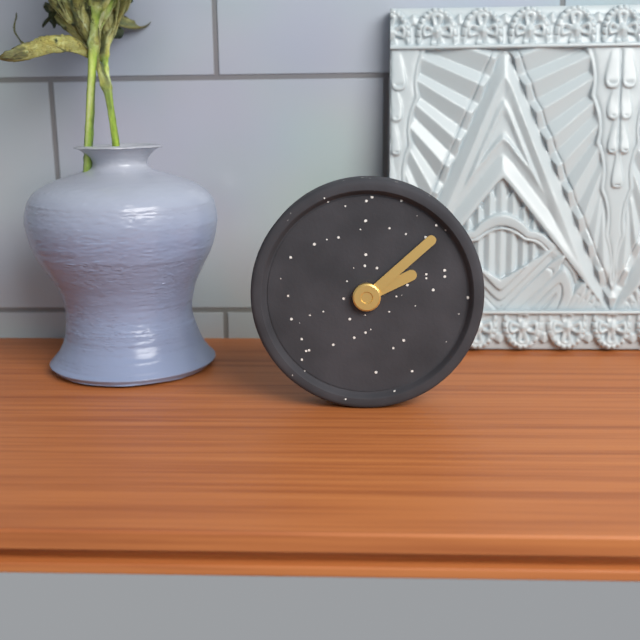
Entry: h=2 m=8
